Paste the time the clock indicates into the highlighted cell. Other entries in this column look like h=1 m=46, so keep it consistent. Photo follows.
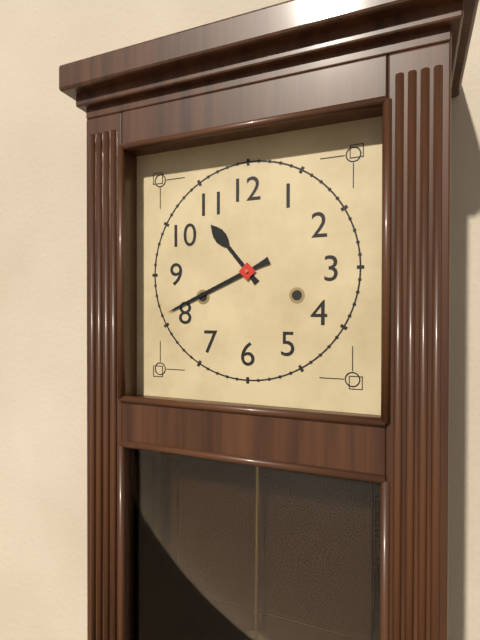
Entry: h=10 m=41
